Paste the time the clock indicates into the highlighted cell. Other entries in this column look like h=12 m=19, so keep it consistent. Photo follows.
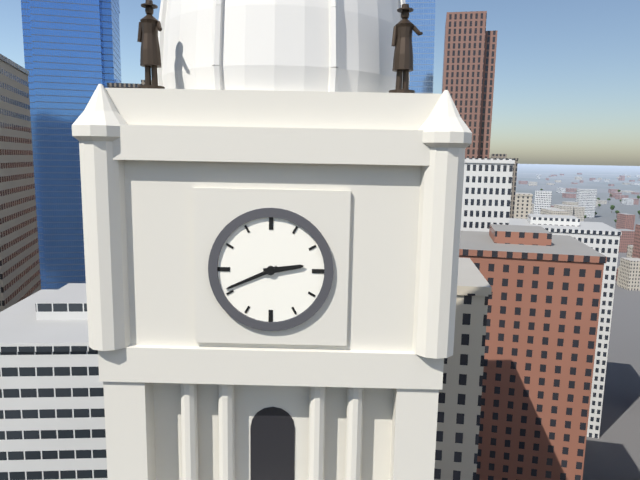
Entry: h=2 m=41
